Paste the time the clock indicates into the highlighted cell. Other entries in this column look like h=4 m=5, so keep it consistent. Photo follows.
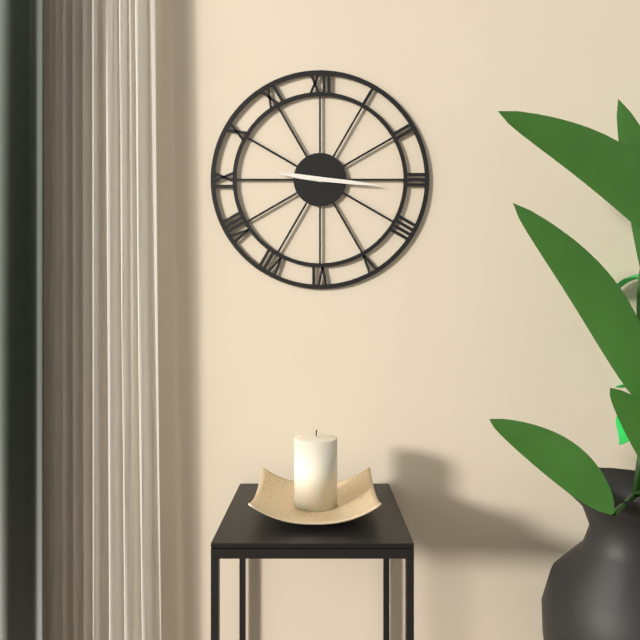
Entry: h=9 m=16
